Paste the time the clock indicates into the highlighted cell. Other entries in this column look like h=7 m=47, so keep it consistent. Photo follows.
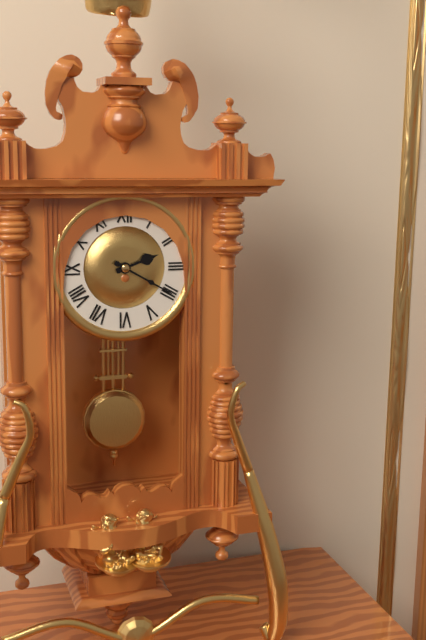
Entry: h=2 m=20
